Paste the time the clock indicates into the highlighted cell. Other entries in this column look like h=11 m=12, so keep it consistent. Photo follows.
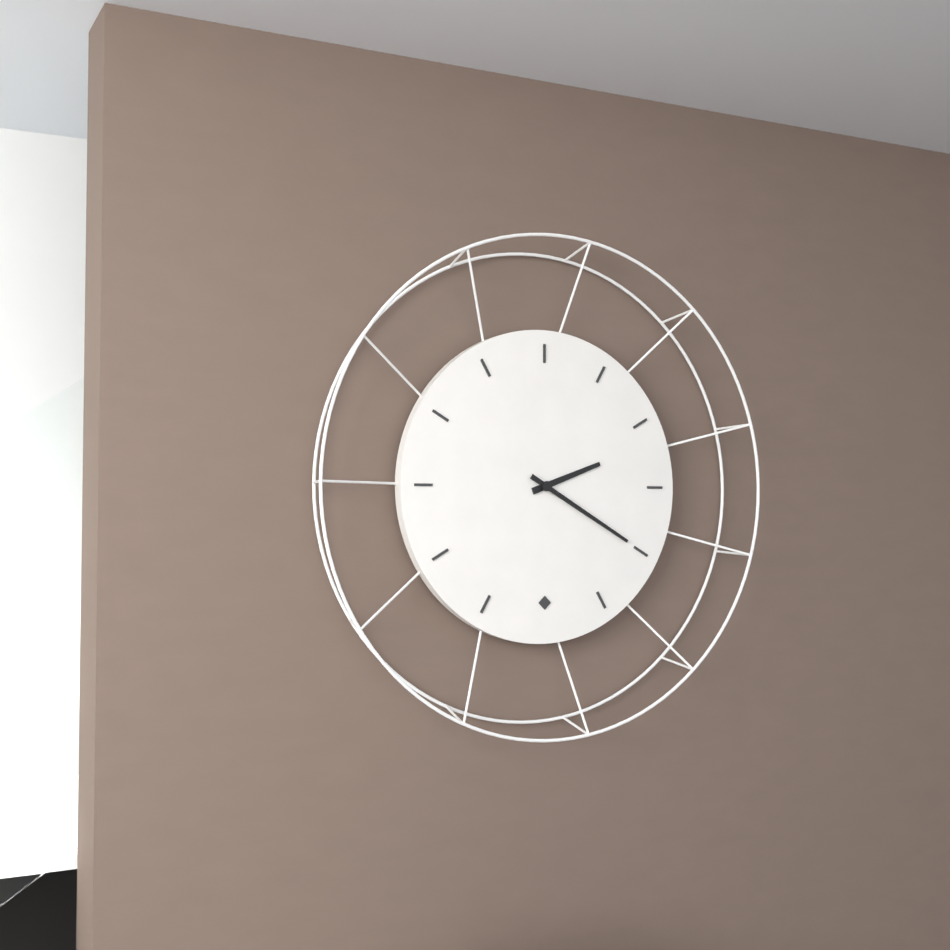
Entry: h=2 m=20
